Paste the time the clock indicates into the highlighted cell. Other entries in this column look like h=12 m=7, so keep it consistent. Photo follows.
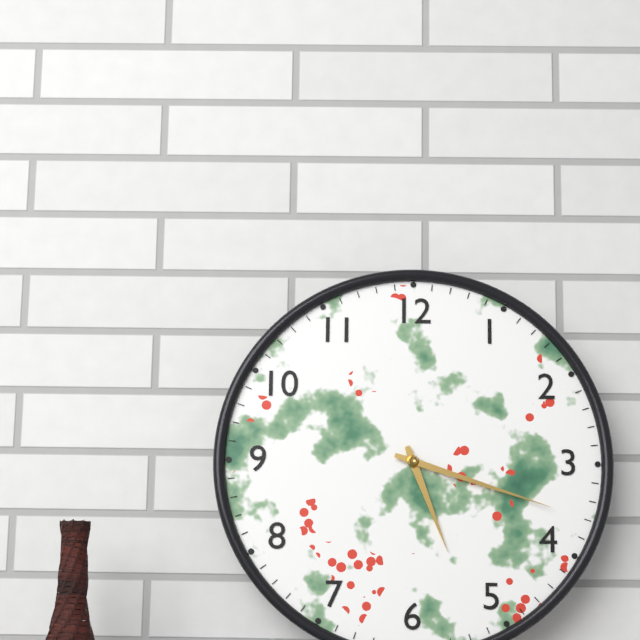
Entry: h=5 m=18
